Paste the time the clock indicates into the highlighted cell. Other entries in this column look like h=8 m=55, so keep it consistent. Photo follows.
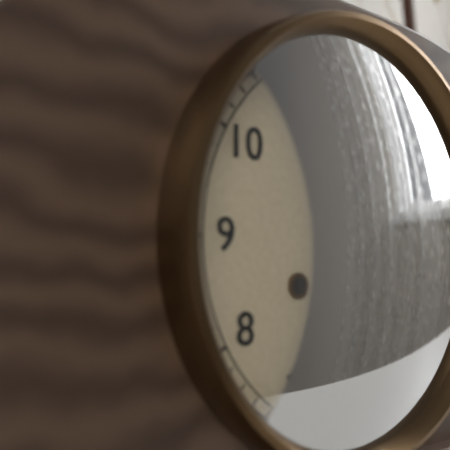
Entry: h=4 m=33
